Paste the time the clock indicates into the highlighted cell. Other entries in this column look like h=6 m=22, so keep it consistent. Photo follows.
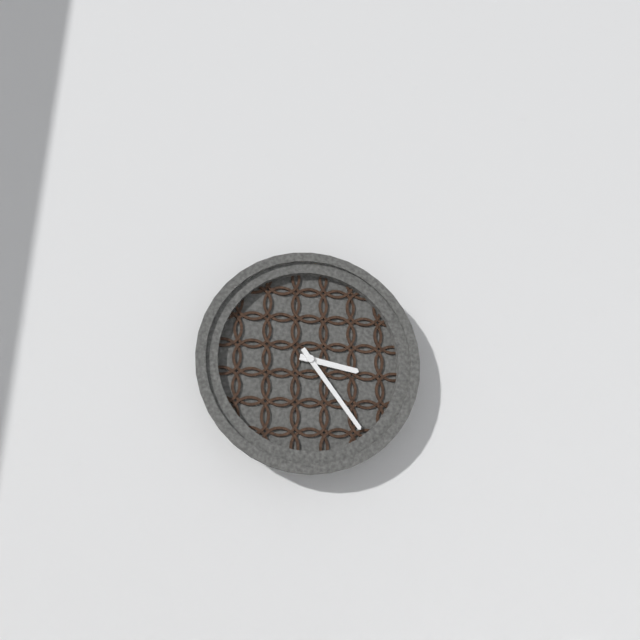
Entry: h=3 m=24
